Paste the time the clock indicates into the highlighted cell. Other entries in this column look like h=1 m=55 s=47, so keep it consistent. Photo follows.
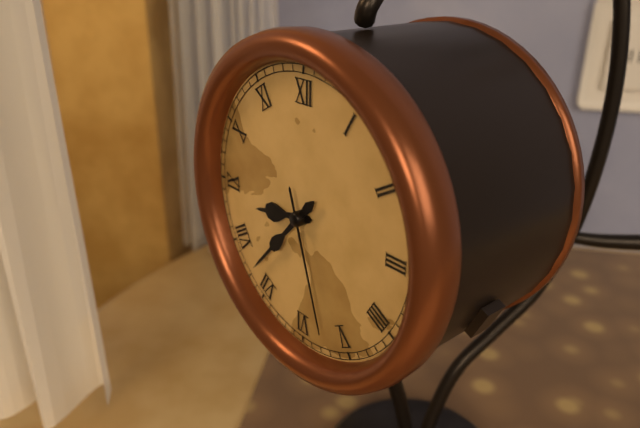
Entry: h=8 m=37 s=27
